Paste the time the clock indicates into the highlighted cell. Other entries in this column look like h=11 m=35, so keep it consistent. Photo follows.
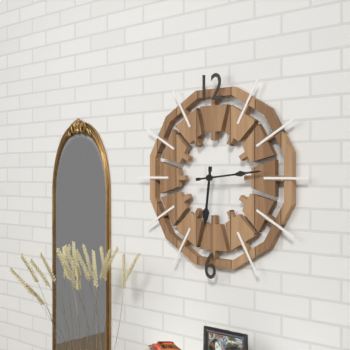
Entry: h=6 m=14
